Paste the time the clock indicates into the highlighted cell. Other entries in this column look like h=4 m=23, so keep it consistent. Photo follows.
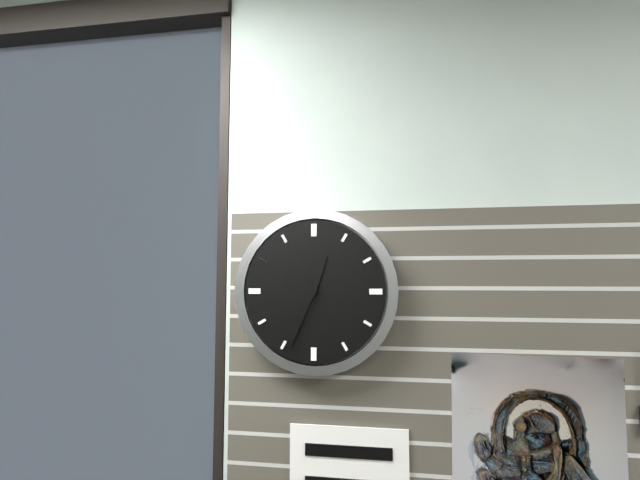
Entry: h=12 m=34
